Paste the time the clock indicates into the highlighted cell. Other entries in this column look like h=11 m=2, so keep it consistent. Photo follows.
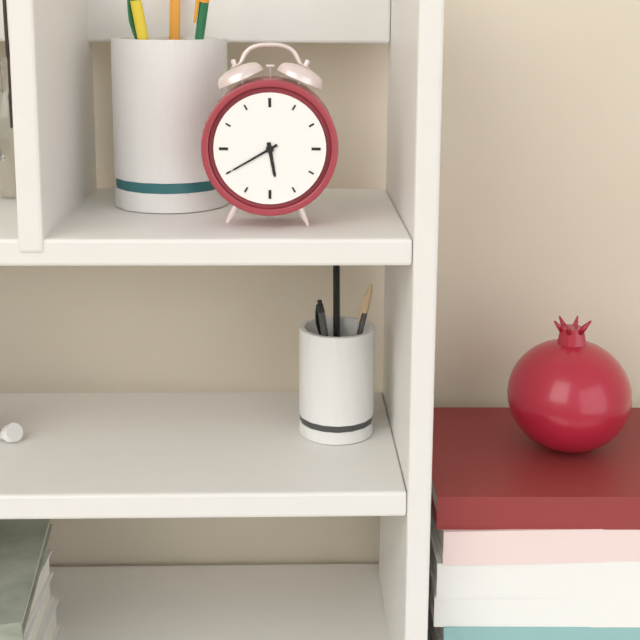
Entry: h=5 m=40
